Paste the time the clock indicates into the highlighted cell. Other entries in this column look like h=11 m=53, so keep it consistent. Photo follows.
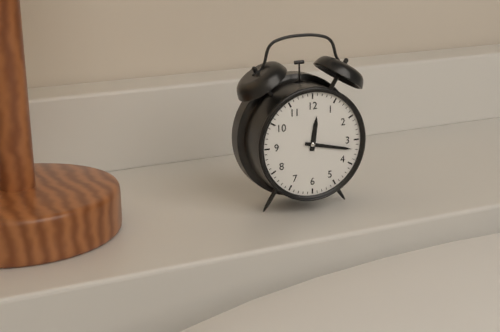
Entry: h=12 m=17
